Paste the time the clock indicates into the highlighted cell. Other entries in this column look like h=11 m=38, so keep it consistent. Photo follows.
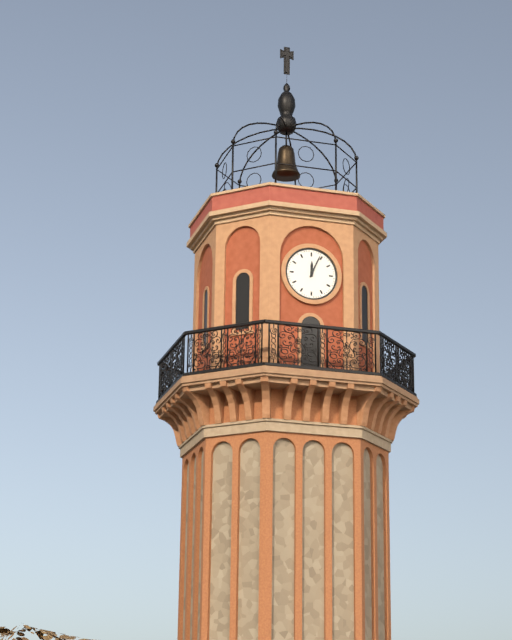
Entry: h=12 m=4
